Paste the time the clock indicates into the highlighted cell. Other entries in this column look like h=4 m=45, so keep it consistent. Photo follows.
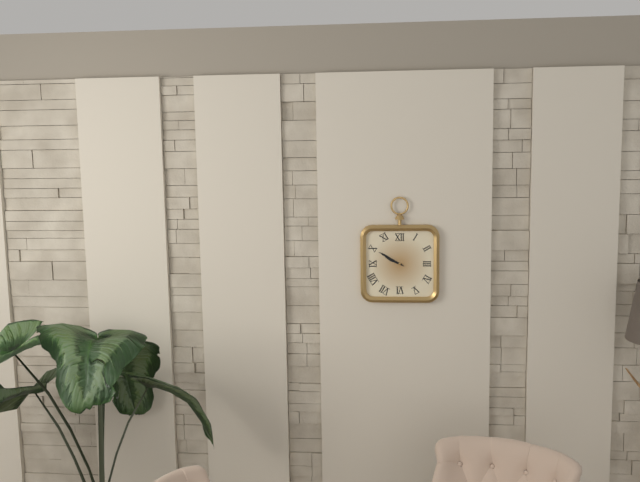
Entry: h=9 m=50
